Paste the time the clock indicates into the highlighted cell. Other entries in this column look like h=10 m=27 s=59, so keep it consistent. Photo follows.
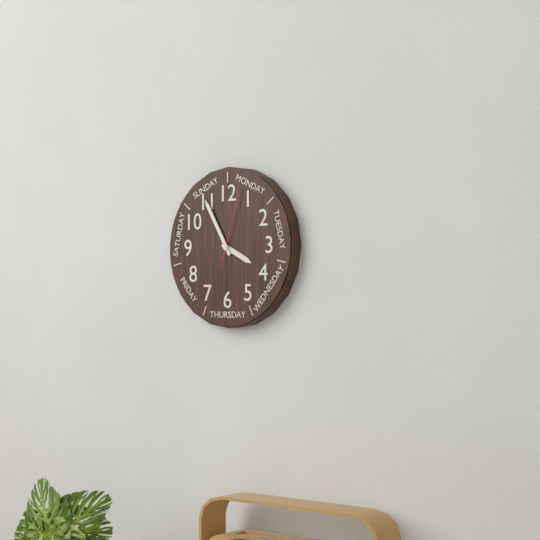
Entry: h=3 m=55 s=3
